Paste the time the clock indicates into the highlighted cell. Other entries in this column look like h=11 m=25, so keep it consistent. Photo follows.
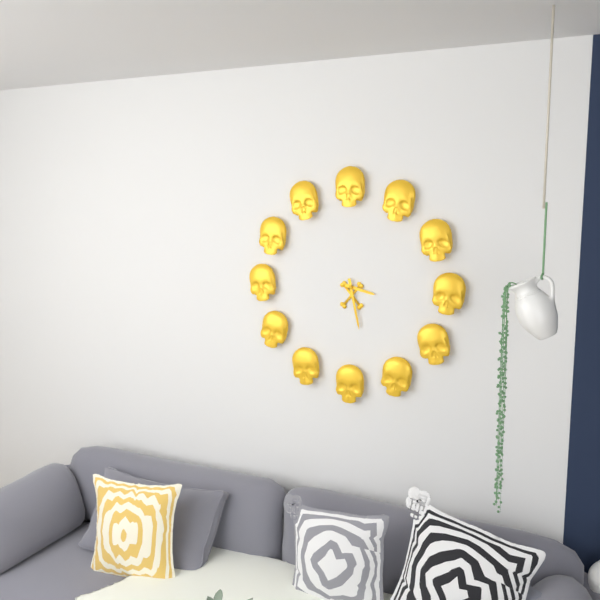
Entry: h=3 m=28
